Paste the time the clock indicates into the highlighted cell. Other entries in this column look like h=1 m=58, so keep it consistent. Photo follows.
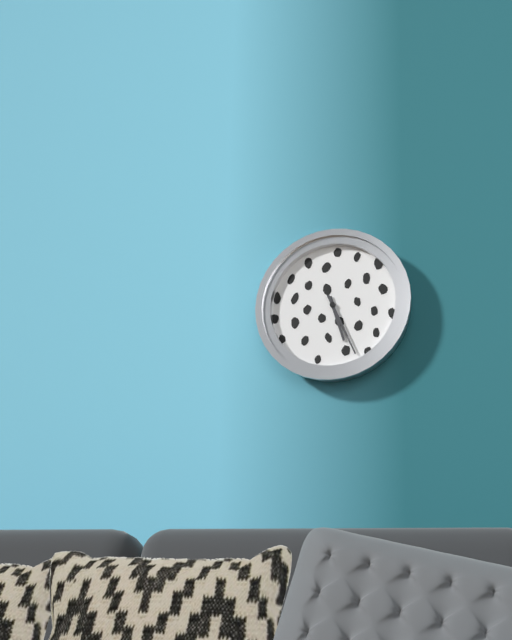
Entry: h=5 m=26
